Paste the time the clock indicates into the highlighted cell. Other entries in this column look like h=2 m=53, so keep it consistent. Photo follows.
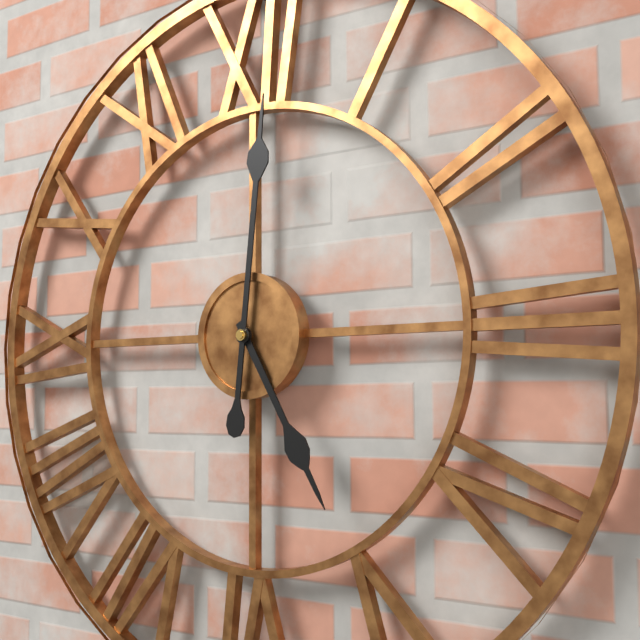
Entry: h=5 m=1
